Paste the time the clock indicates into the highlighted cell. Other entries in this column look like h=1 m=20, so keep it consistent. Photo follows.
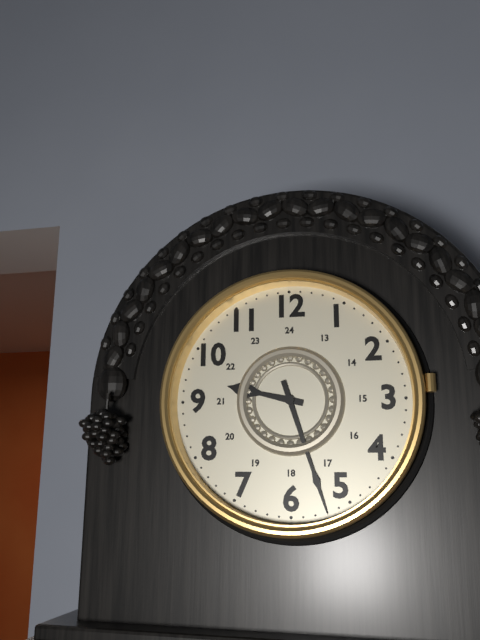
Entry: h=9 m=27
